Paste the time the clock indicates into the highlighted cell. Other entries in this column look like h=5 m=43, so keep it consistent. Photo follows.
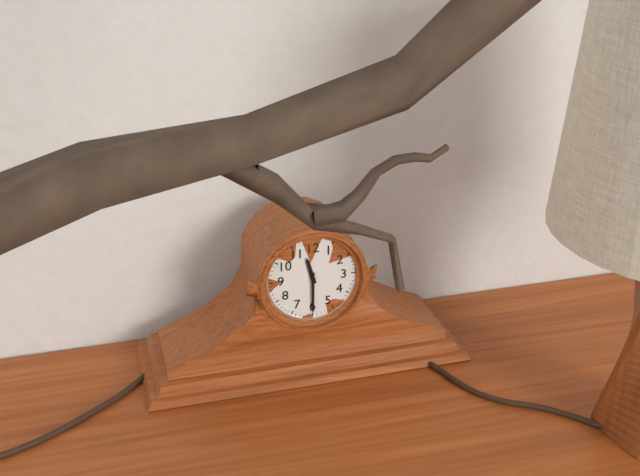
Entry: h=11 m=30
